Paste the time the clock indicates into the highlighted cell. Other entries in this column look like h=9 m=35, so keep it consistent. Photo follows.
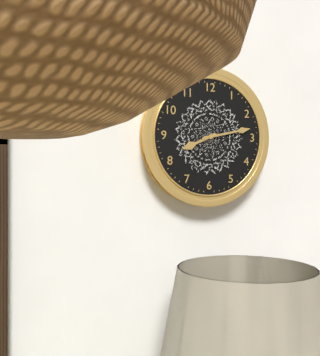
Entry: h=8 m=13
